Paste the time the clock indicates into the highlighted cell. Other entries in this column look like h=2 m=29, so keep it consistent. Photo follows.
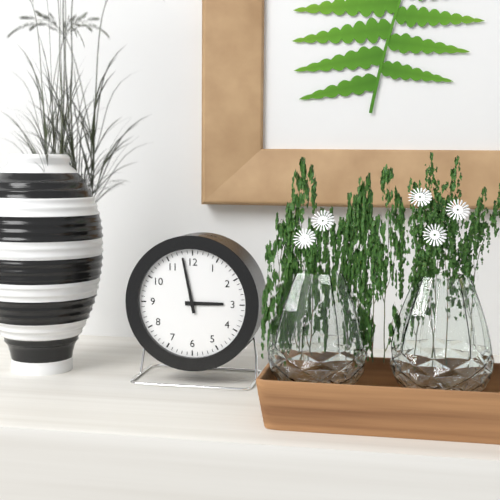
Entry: h=2 m=58
